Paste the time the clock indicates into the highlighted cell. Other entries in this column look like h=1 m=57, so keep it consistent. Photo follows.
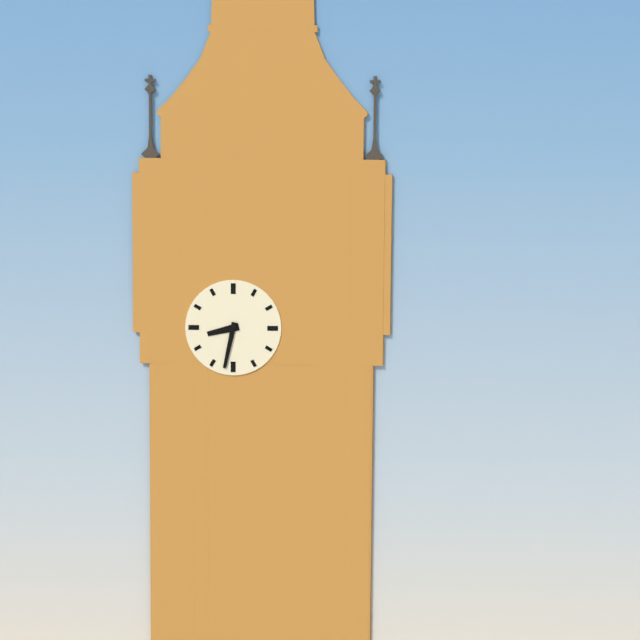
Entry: h=8 m=32
